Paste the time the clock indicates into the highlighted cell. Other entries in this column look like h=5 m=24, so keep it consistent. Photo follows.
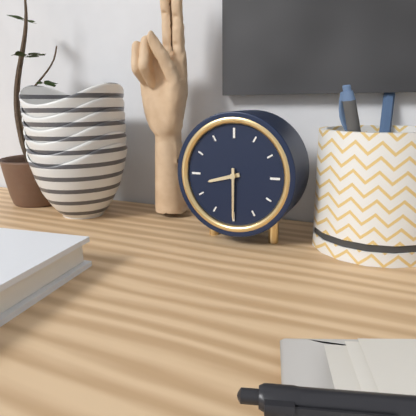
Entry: h=8 m=30
